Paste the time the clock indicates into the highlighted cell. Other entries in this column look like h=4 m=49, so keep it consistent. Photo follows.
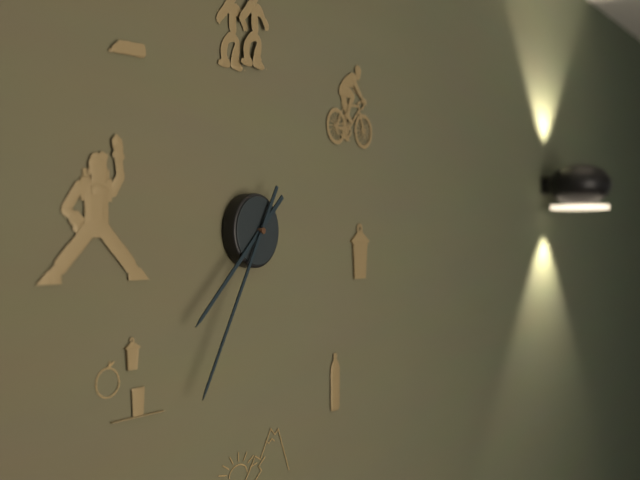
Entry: h=7 m=35
